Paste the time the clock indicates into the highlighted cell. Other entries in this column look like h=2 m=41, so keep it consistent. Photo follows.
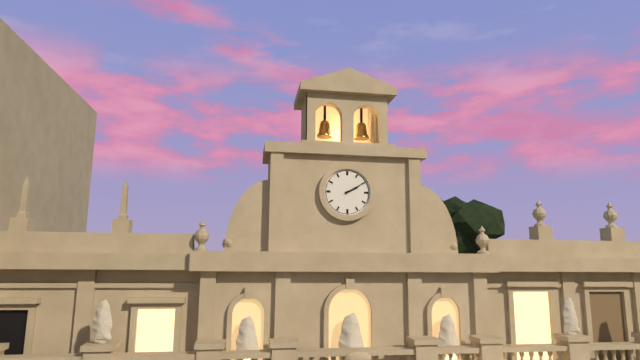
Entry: h=2 m=10
